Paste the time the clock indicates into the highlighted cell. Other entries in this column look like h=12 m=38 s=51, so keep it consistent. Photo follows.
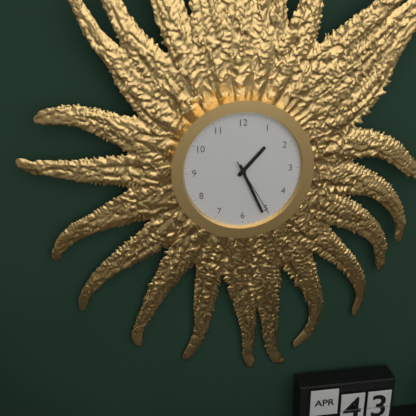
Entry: h=1 m=26 s=25
